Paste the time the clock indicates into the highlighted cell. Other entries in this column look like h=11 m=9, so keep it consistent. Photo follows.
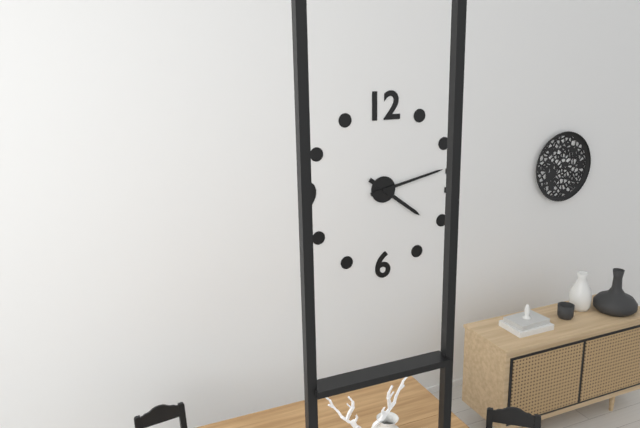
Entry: h=4 m=13
